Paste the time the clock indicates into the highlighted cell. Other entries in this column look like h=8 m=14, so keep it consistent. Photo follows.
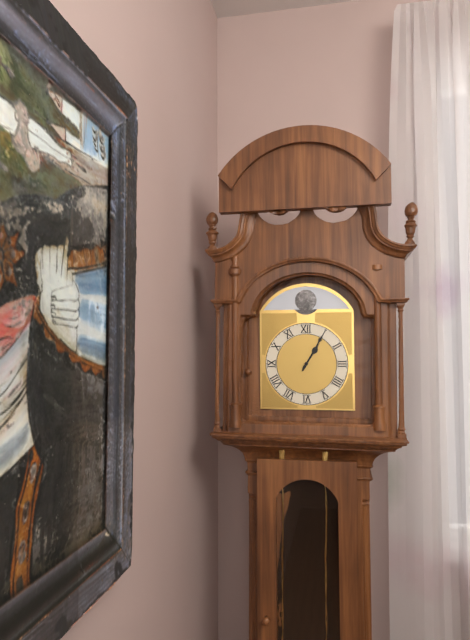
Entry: h=1 m=5
